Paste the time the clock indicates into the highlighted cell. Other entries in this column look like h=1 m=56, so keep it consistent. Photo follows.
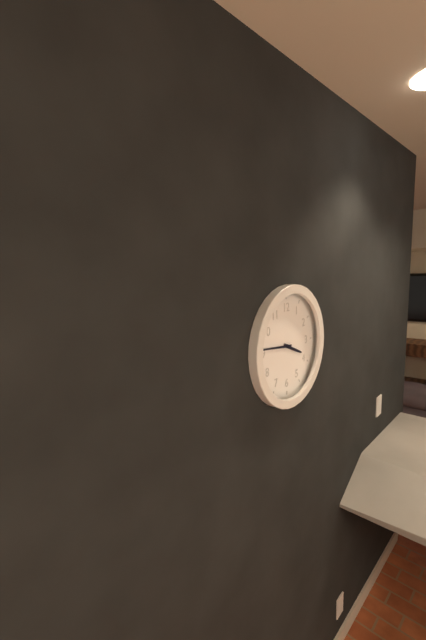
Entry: h=3 m=46
